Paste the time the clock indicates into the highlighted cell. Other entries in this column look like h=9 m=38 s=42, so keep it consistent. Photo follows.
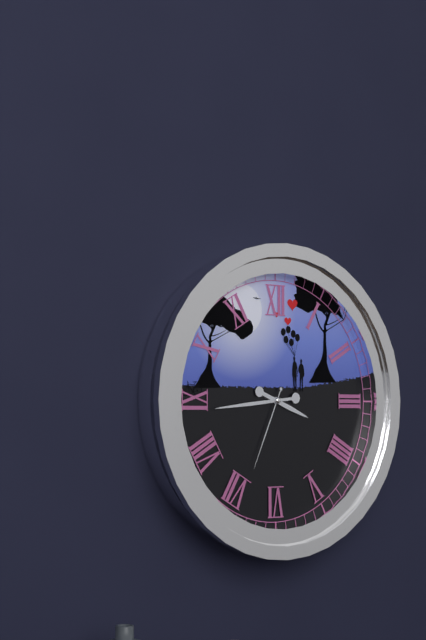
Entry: h=3 m=44 s=34
